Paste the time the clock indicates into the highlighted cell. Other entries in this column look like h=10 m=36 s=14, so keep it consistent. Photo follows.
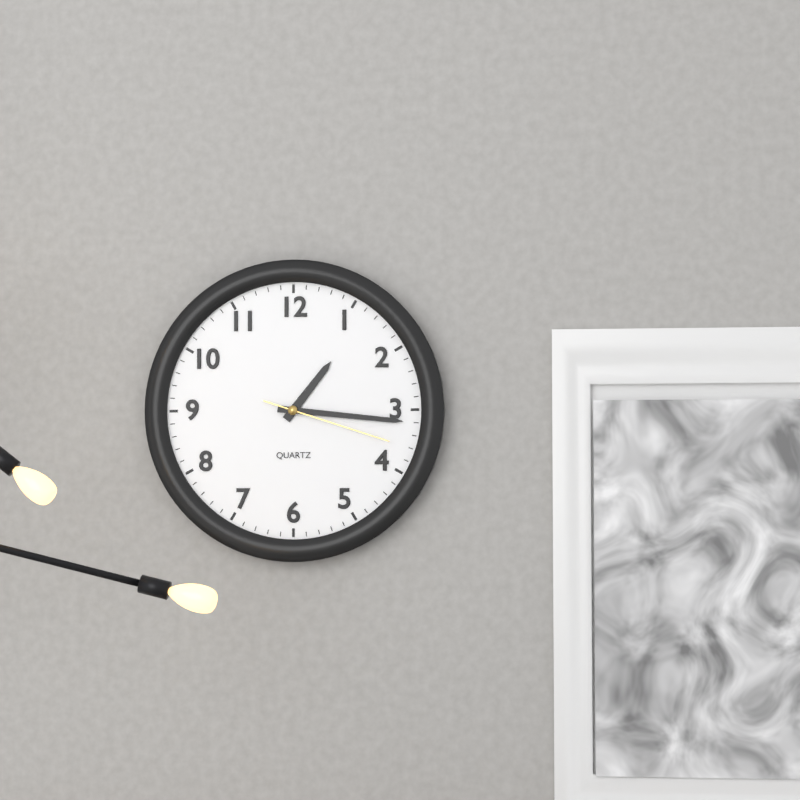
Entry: h=1 m=16 s=18
